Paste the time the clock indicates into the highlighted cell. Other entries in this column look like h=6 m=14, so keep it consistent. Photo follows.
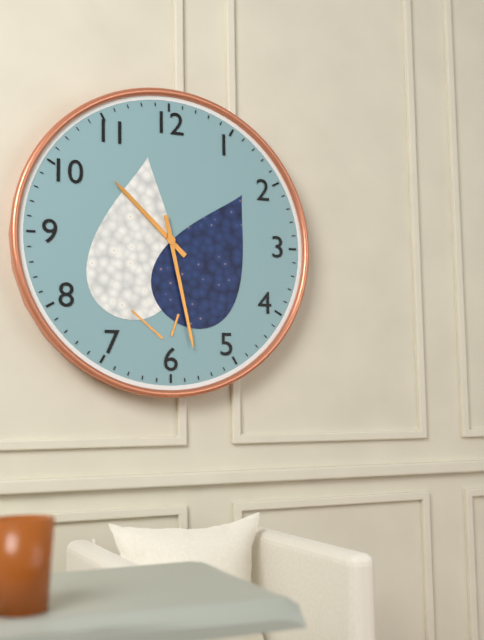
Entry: h=10 m=28
